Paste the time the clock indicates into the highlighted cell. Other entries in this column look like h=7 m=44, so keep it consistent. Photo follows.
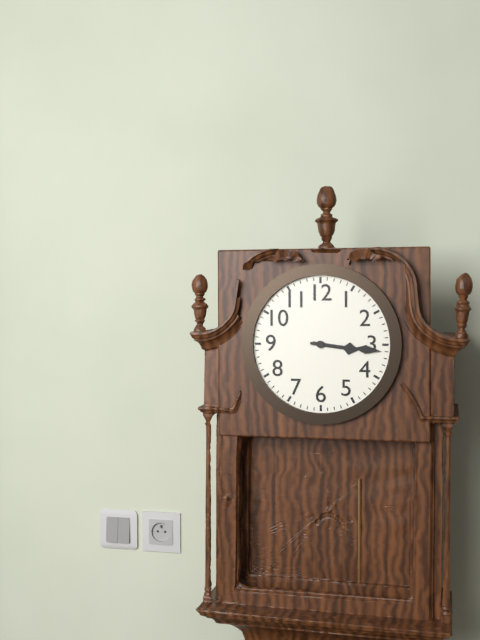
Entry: h=3 m=16
